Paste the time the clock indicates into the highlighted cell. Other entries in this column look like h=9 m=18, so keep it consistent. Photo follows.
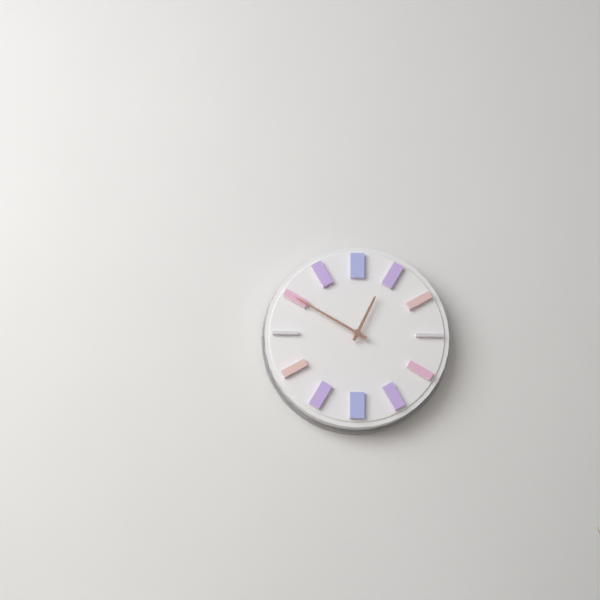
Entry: h=12 m=50
